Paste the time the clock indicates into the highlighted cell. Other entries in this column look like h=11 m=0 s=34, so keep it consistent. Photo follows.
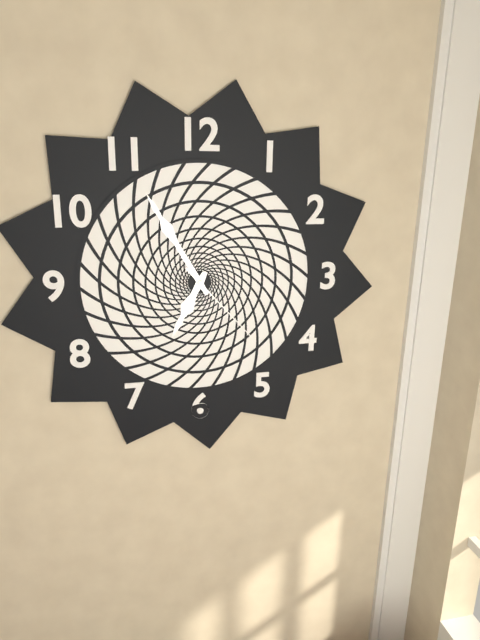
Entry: h=6 m=55 s=23
